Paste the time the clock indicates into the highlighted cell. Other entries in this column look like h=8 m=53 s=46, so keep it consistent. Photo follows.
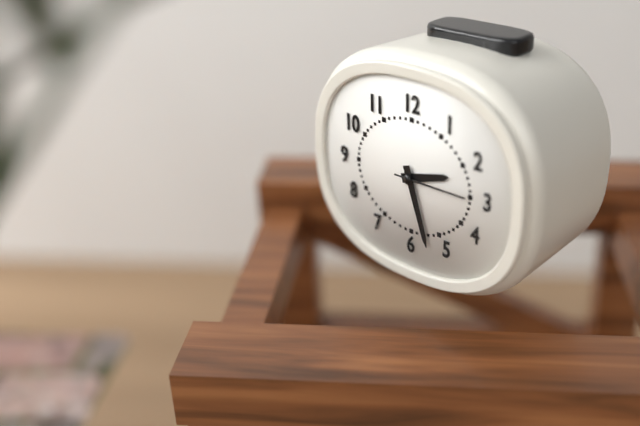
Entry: h=2 m=27 s=15
